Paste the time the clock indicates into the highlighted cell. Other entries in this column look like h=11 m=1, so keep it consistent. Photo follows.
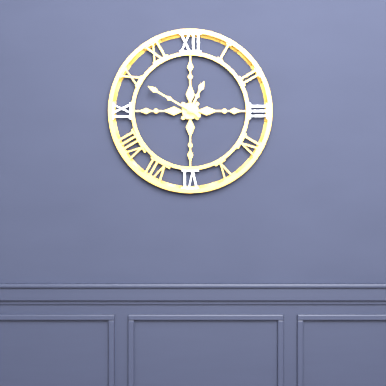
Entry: h=12 m=50
